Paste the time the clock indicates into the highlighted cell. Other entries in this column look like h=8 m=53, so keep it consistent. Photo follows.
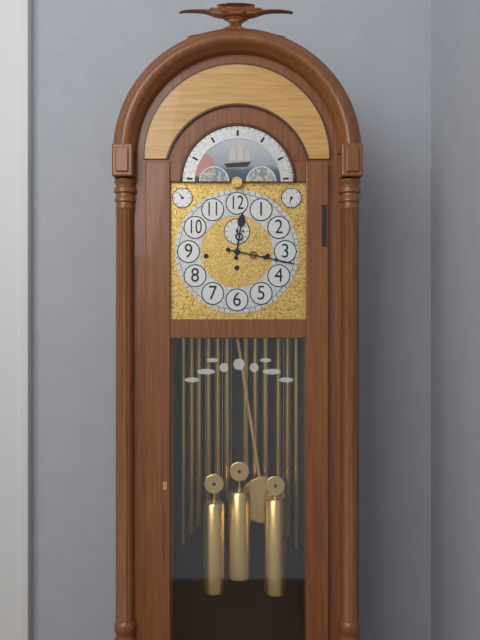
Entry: h=12 m=17
